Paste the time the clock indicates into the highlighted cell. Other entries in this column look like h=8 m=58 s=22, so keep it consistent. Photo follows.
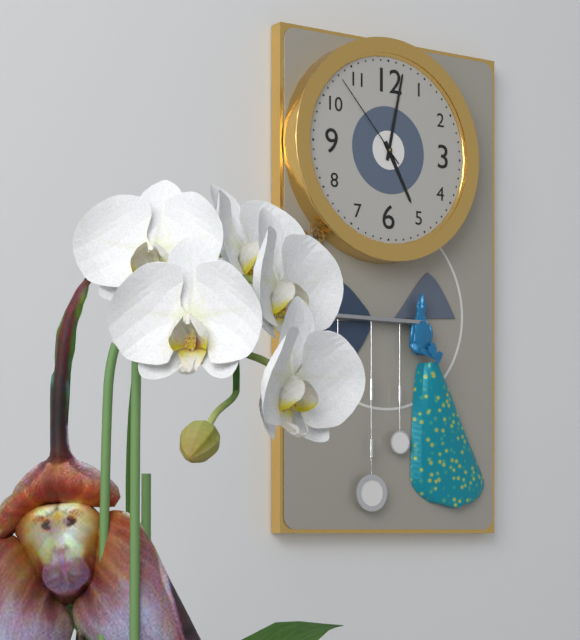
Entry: h=5 m=2 s=53
